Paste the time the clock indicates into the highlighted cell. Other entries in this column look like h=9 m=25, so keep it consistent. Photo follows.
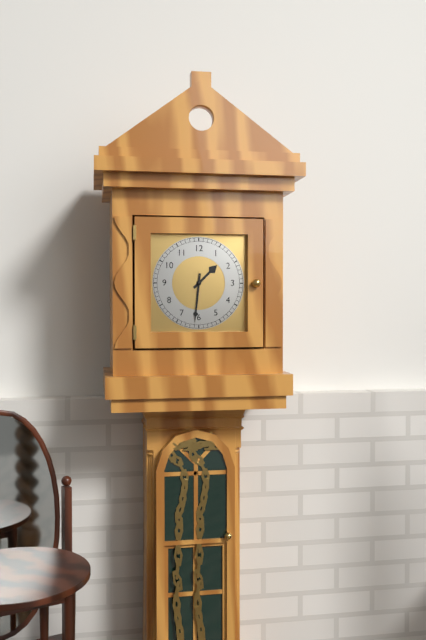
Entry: h=1 m=31
